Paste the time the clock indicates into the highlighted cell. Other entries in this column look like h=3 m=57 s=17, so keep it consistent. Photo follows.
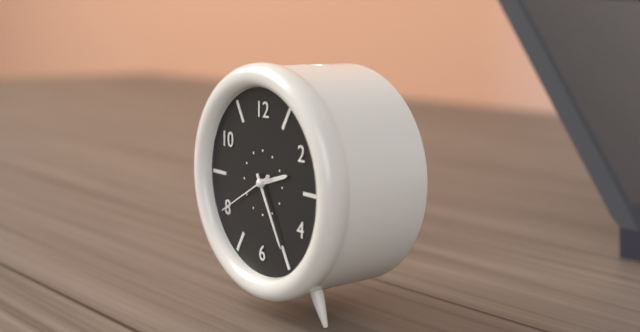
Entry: h=2 m=25 s=40
